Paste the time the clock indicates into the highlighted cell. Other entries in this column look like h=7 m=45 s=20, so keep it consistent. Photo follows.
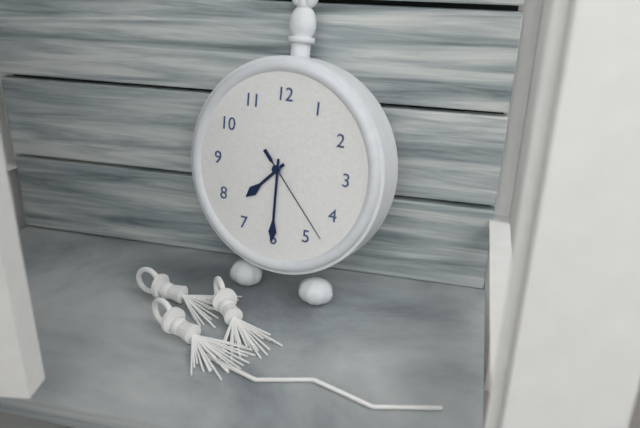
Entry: h=7 m=30 s=23
